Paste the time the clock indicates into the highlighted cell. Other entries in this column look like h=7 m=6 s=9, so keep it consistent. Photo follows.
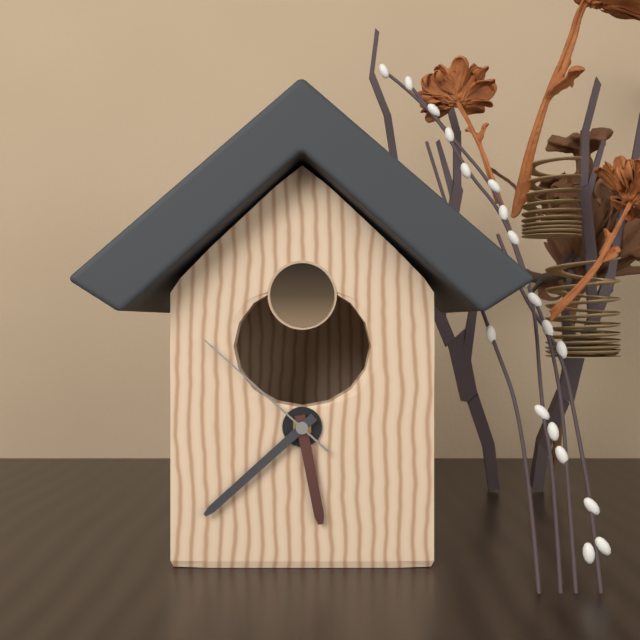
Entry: h=5 m=38 s=52
